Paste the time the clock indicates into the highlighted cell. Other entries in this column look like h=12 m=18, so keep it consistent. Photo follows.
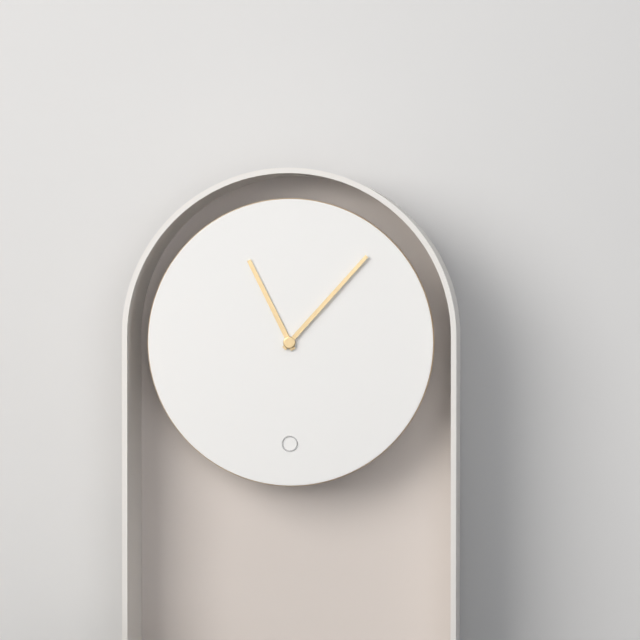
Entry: h=11 m=7
